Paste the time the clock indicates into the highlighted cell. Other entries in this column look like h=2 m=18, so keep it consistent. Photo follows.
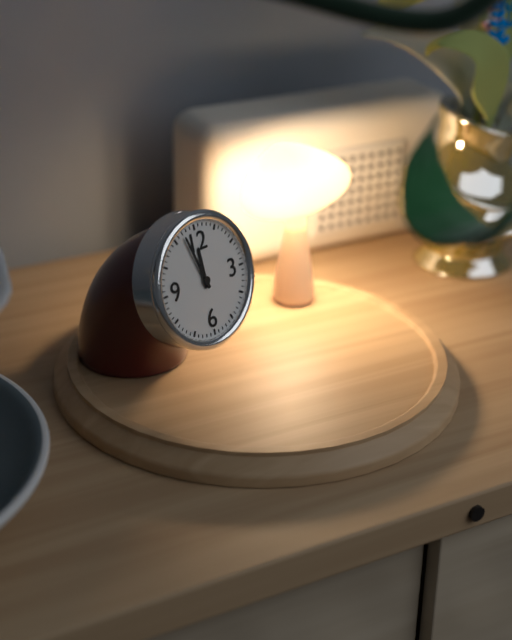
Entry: h=11 m=57
